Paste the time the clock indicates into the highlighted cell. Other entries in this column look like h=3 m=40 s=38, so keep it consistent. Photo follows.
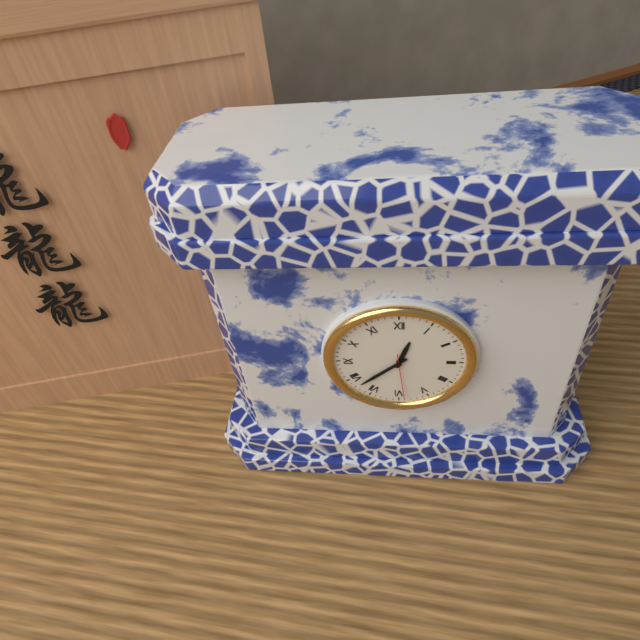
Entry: h=12 m=38 s=29
